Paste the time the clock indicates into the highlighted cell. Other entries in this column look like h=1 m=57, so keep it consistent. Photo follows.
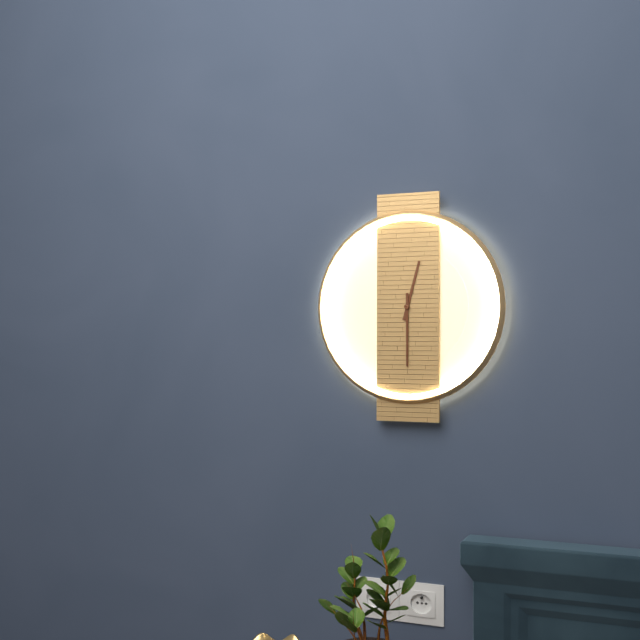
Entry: h=12 m=30
